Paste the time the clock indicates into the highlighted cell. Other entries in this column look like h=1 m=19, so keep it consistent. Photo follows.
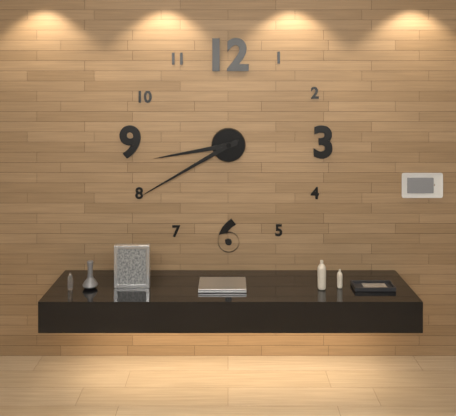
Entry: h=8 m=40
